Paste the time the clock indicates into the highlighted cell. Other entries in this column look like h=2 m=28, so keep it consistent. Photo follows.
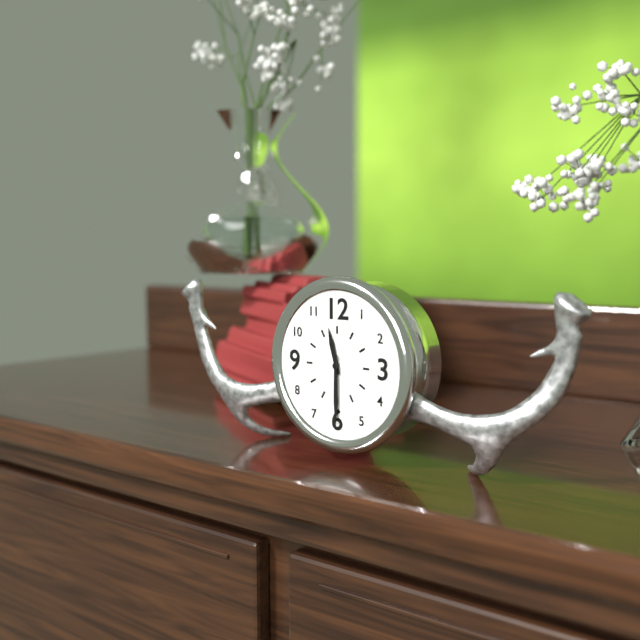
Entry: h=11 m=30
